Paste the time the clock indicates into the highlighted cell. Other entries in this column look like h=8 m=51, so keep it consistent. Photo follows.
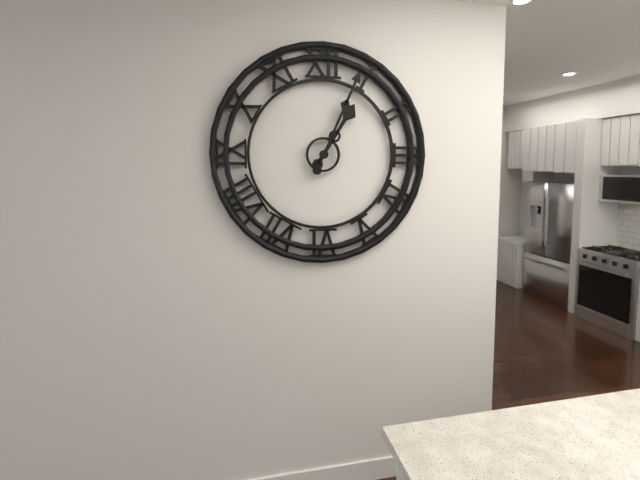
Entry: h=1 m=4
